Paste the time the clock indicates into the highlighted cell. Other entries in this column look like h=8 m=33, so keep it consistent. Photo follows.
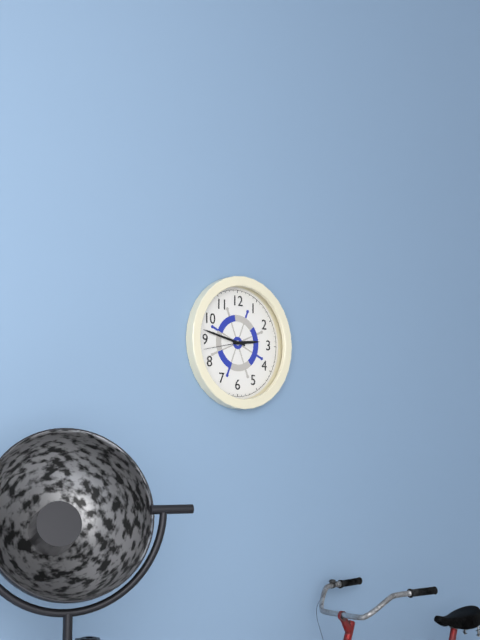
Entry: h=2 m=47
